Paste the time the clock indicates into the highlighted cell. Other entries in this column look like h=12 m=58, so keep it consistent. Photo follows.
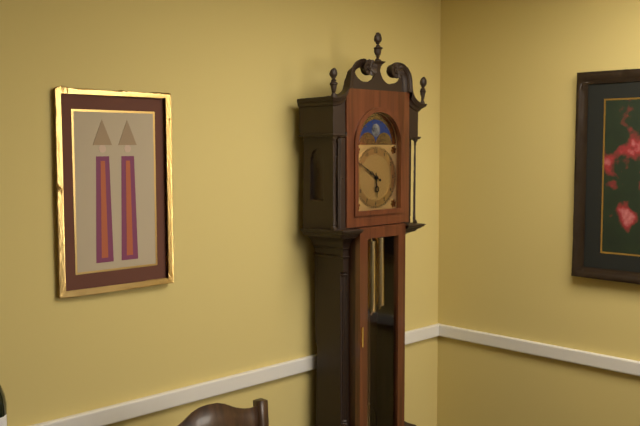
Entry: h=5 m=50
